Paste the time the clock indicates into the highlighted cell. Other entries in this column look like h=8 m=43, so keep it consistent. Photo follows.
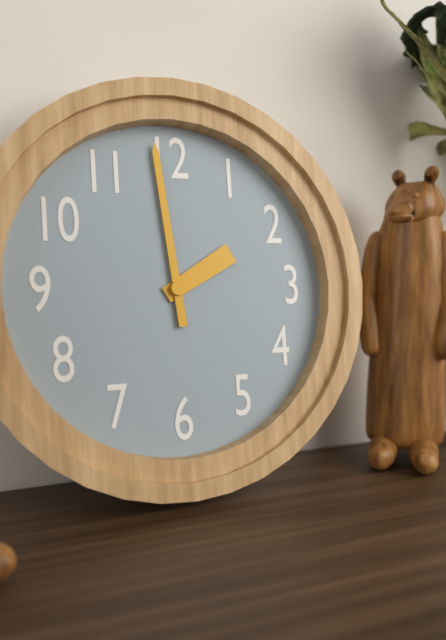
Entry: h=1 m=59
